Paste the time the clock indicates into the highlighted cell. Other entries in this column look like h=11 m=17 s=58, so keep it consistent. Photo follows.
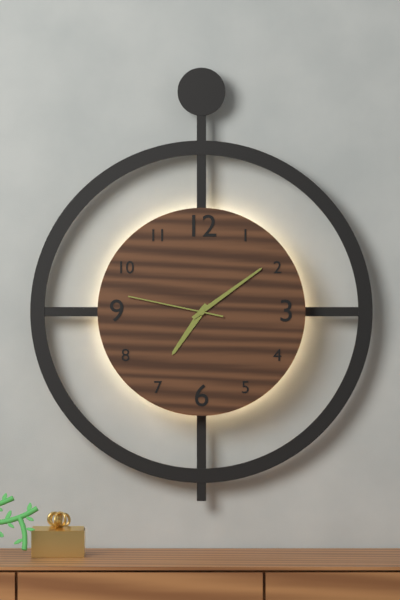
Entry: h=7 m=9 s=47
